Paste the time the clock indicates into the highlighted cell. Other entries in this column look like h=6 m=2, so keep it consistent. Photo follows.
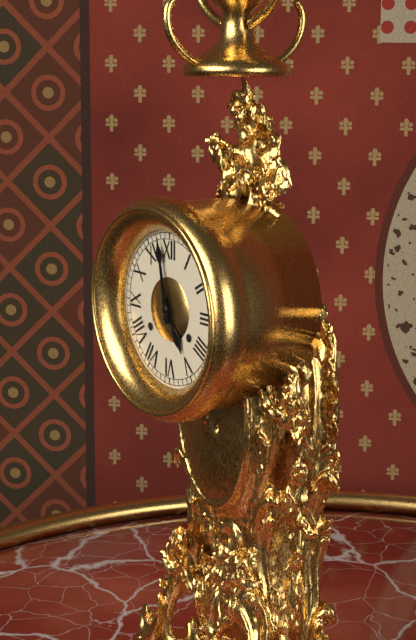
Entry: h=4 m=58
